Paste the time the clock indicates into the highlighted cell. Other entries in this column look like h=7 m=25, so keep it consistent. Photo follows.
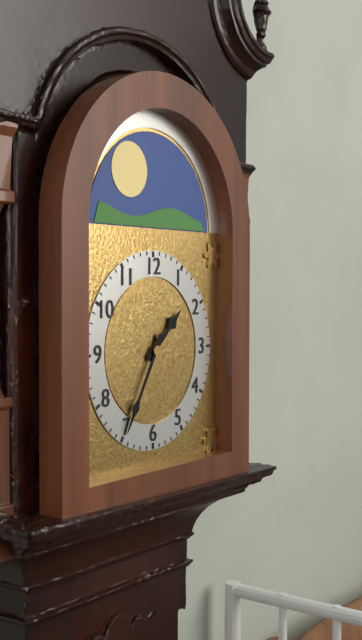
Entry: h=1 m=35
